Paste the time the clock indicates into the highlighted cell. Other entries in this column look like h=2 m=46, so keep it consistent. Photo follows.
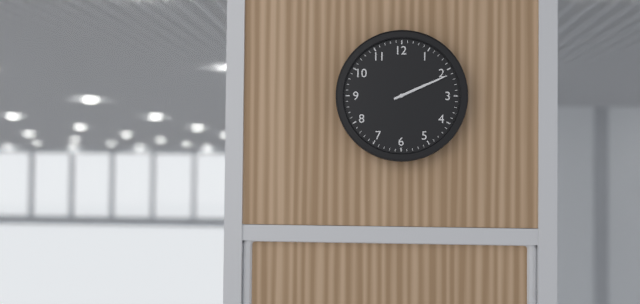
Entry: h=2 m=11
